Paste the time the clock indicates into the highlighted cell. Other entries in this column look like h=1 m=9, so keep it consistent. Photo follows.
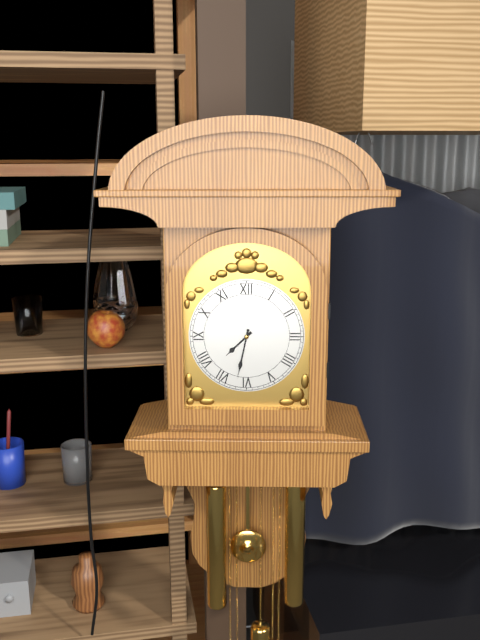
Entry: h=7 m=32
